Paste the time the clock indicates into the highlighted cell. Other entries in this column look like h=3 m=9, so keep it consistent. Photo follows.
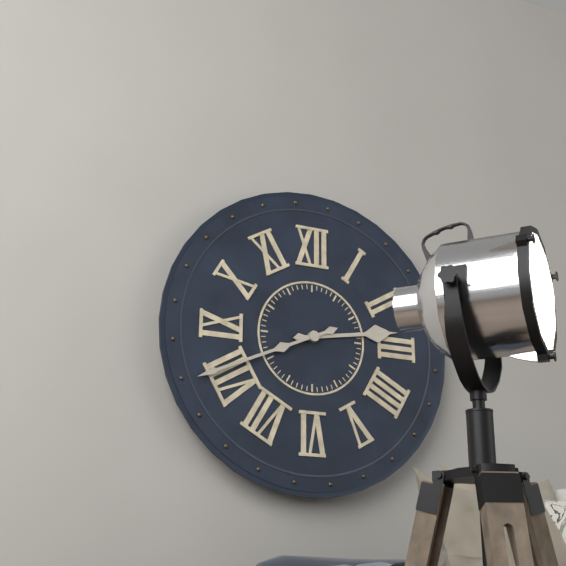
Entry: h=2 m=41
